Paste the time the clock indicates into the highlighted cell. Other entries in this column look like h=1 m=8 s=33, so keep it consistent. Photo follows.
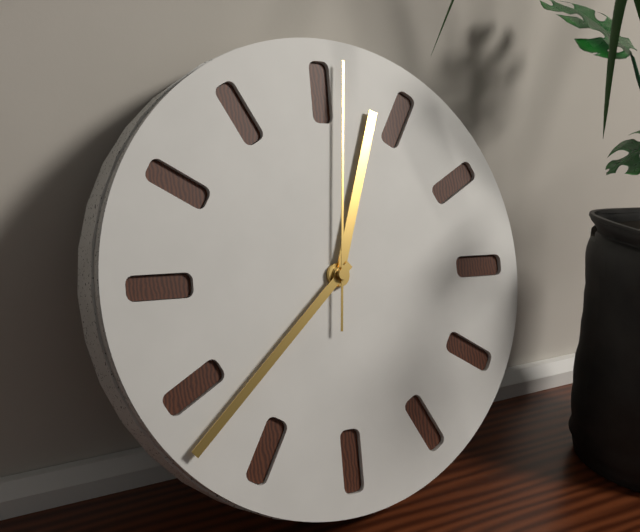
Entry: h=12 m=38 s=1
